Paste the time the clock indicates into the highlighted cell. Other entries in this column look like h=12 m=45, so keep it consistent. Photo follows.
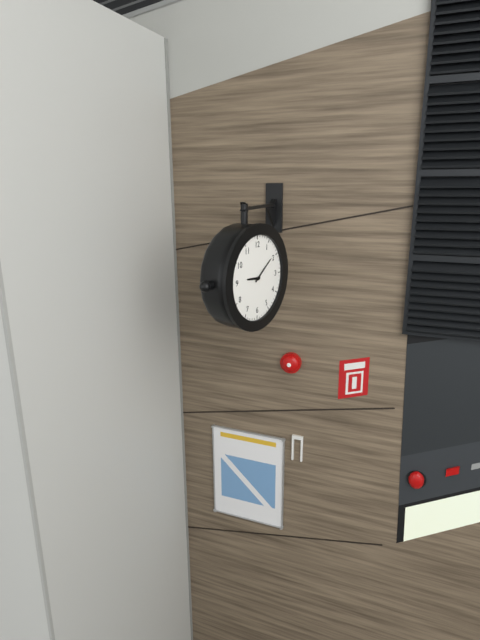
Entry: h=9 m=9
